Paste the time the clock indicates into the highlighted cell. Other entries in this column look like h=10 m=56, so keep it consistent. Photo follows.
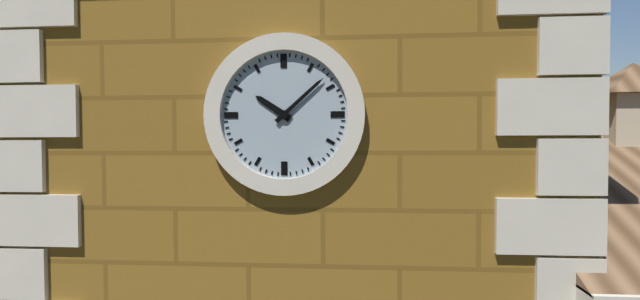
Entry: h=10 m=8
